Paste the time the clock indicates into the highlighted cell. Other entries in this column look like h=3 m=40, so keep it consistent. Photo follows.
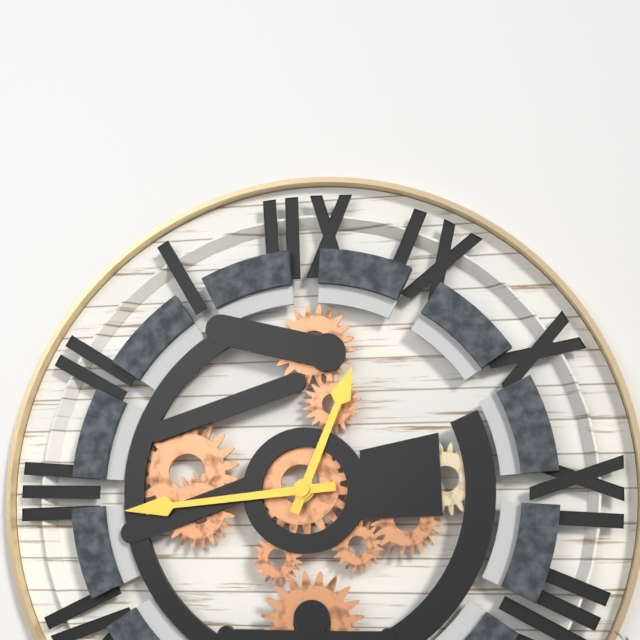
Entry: h=12 m=44
